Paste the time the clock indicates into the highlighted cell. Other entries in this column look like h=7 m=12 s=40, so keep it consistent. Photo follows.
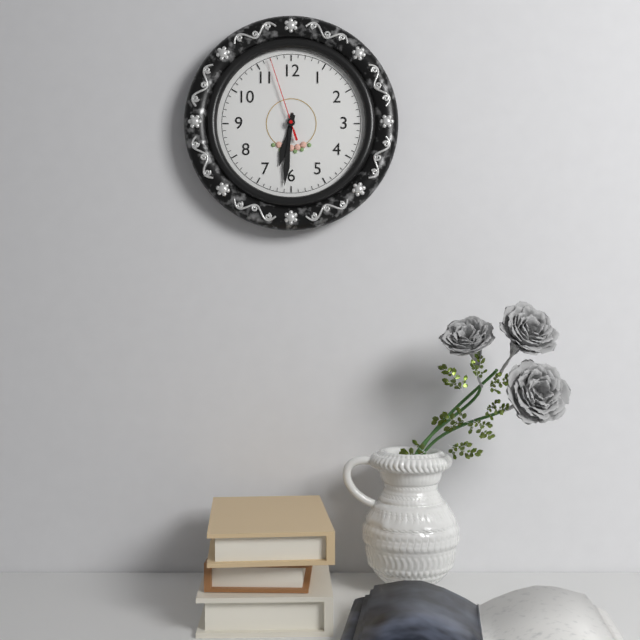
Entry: h=6 m=31 s=57
